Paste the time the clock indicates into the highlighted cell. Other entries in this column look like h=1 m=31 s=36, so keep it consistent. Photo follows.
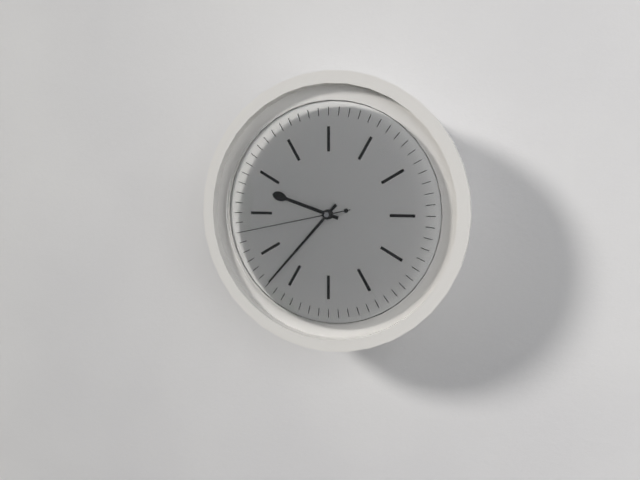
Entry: h=9 m=37 s=43
